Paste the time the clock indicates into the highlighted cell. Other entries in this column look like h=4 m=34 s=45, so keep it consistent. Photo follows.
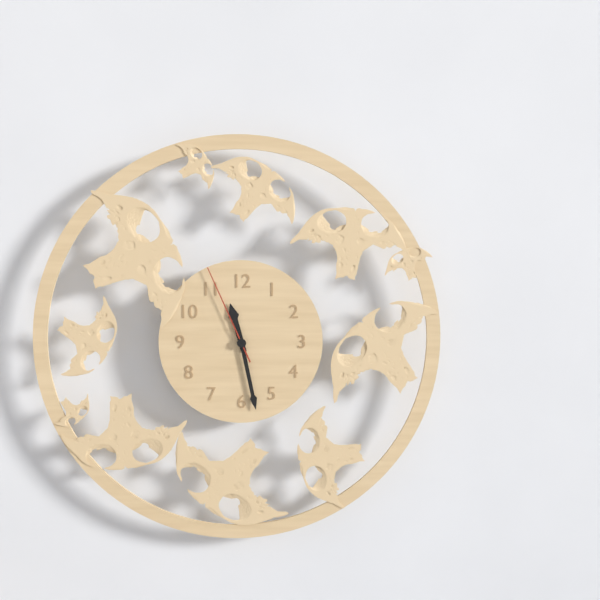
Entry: h=11 m=28 s=56
